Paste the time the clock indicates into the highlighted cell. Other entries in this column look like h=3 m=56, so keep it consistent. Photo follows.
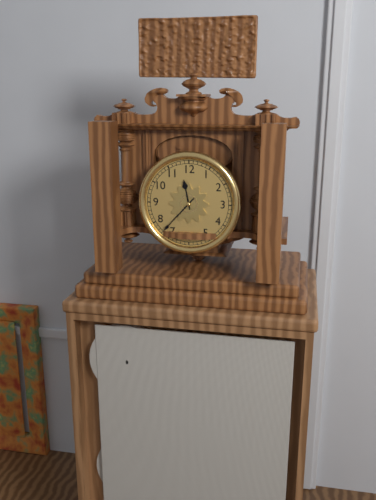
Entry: h=11 m=37
